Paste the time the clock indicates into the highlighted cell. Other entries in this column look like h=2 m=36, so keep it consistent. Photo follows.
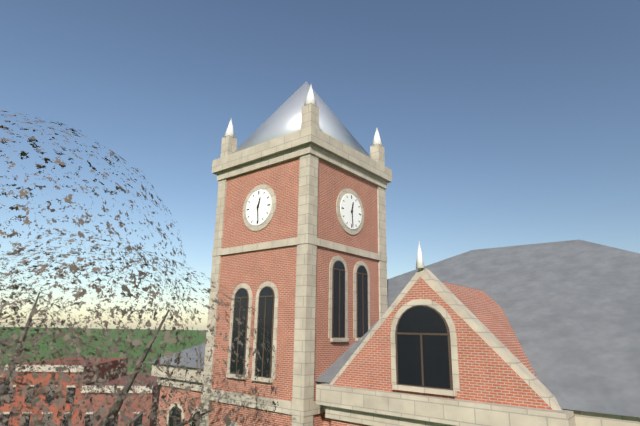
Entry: h=12 m=29
